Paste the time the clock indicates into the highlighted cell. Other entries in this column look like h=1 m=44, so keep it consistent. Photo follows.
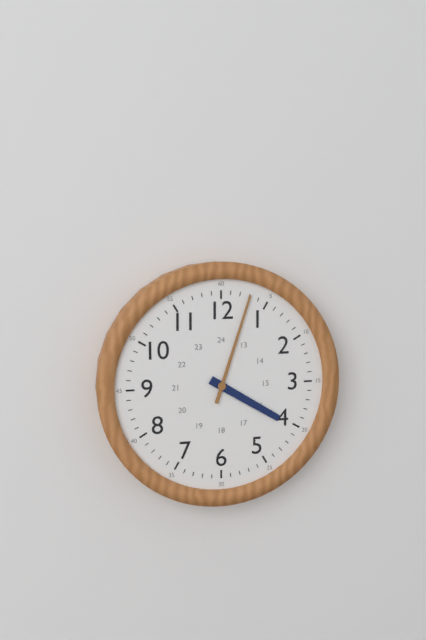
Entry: h=4 m=3
